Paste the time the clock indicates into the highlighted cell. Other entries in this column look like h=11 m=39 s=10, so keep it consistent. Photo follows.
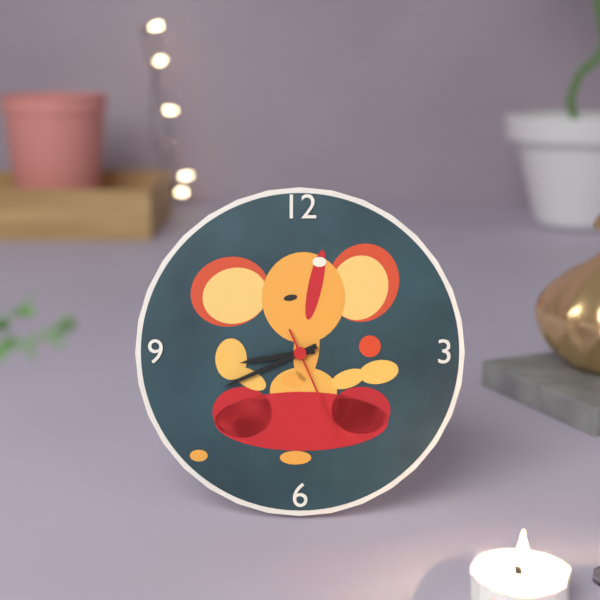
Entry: h=8 m=41 s=26
